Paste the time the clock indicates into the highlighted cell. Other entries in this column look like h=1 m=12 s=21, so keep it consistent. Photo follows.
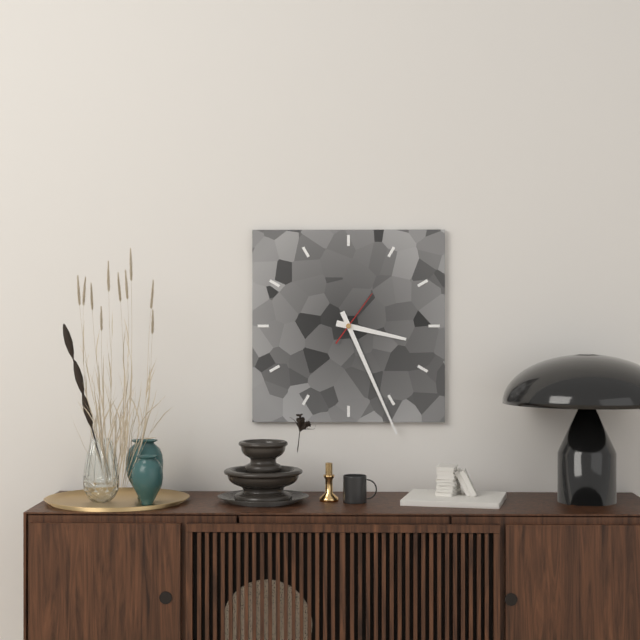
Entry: h=3 m=26 s=6
